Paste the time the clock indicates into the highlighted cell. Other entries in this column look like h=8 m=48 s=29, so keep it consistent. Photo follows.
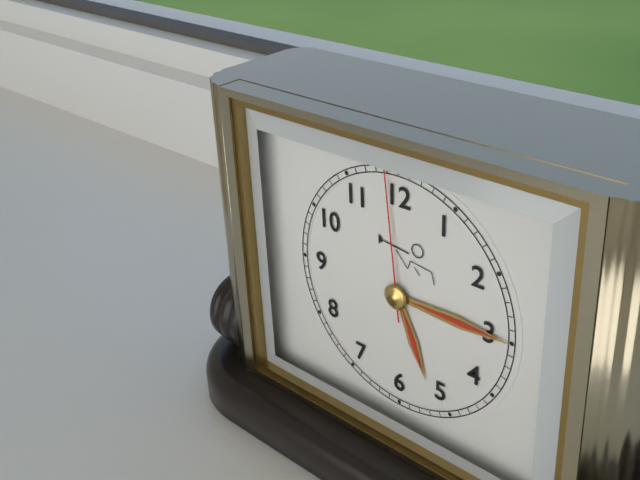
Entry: h=5 m=15 s=59
